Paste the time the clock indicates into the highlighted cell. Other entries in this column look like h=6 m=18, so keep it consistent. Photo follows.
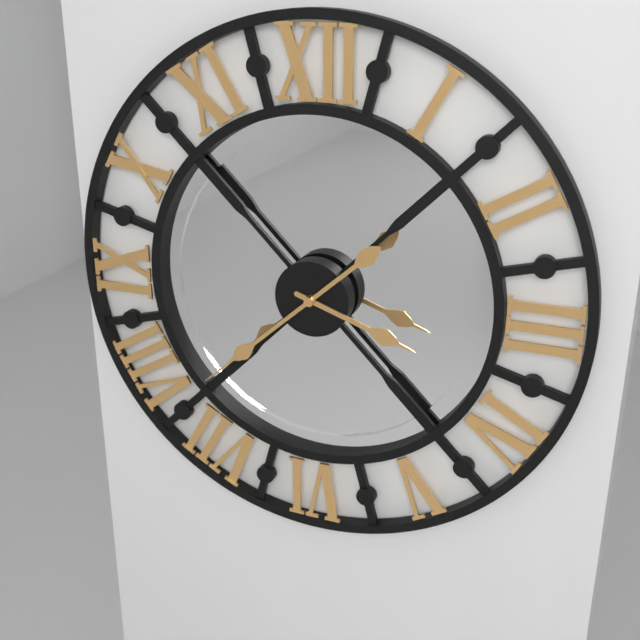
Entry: h=3 m=38
